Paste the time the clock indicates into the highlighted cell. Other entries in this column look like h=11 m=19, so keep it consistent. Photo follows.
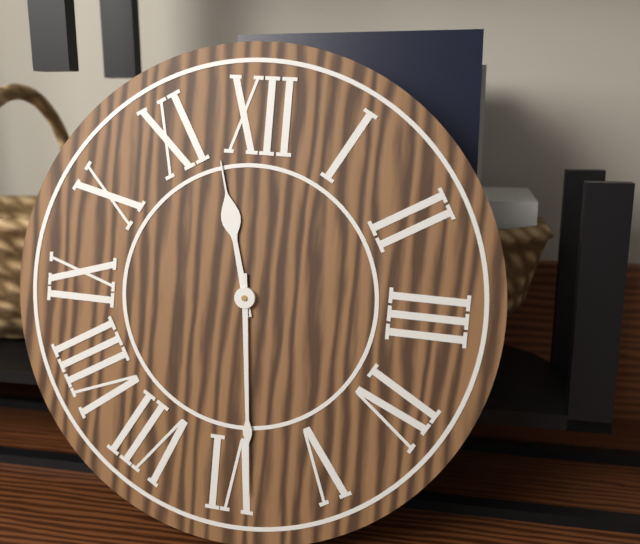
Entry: h=11 m=29
